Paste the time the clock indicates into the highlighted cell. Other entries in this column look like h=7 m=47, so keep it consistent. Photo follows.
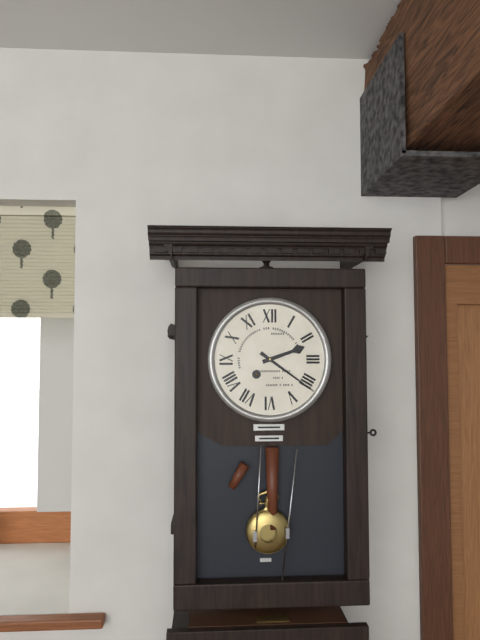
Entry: h=2 m=21
